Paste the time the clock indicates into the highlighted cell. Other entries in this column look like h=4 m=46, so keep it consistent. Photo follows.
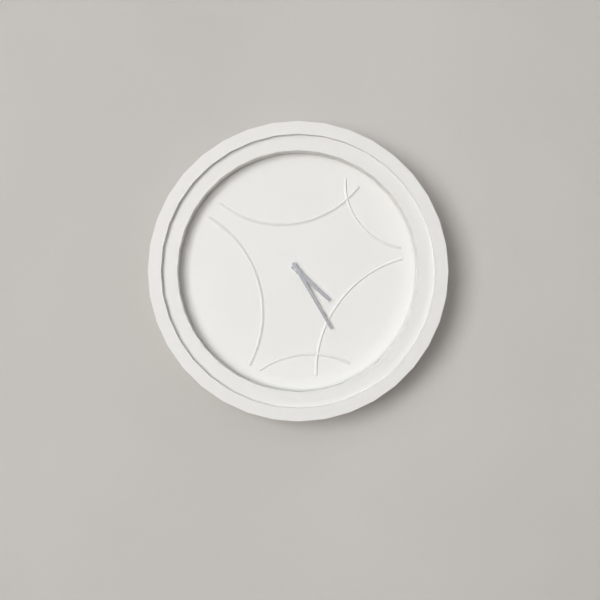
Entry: h=4 m=25
